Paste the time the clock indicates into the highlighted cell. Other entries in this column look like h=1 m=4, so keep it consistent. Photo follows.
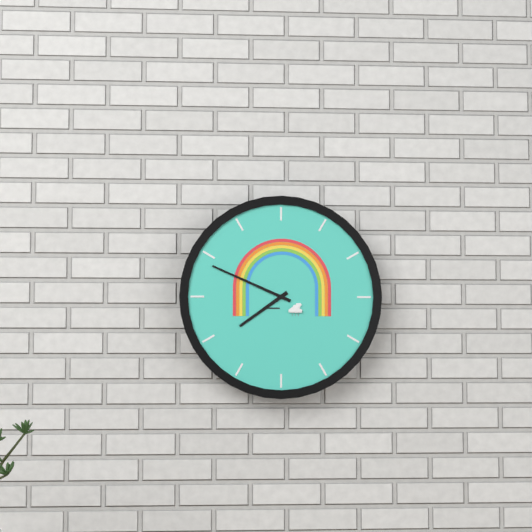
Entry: h=7 m=49
